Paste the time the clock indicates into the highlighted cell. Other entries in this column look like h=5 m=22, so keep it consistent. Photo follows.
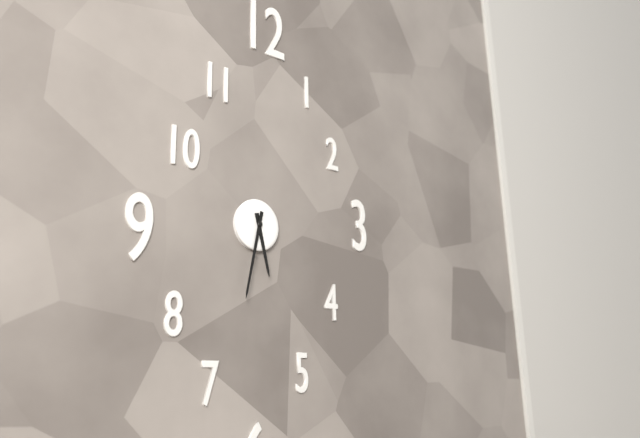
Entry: h=5 m=32
